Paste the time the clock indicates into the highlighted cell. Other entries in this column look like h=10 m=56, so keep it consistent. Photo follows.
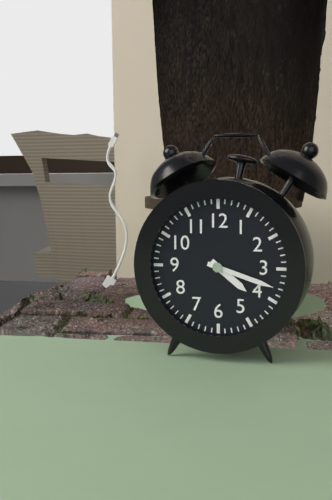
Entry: h=4 m=18
